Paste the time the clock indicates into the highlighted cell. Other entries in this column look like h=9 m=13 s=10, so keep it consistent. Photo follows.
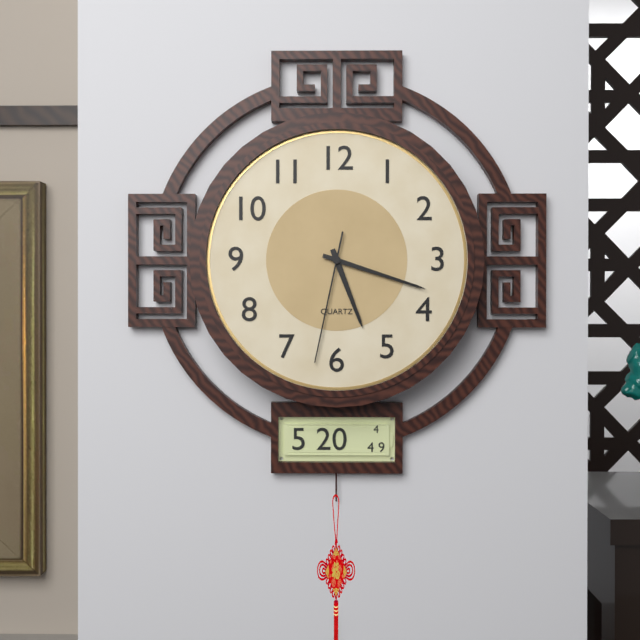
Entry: h=5 m=18 s=32
